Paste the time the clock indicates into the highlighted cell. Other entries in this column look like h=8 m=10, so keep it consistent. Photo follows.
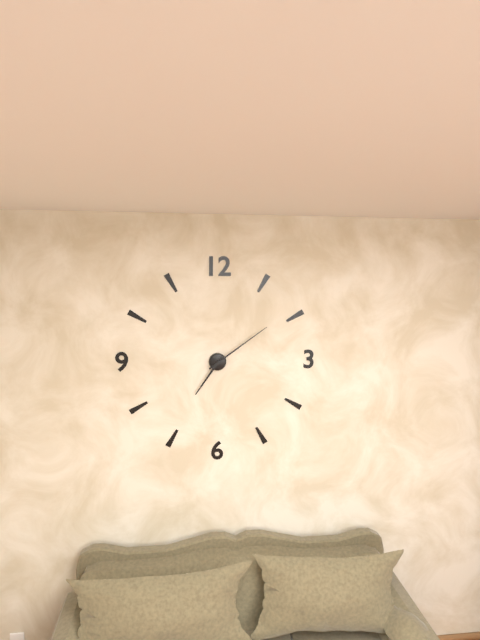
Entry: h=7 m=9
